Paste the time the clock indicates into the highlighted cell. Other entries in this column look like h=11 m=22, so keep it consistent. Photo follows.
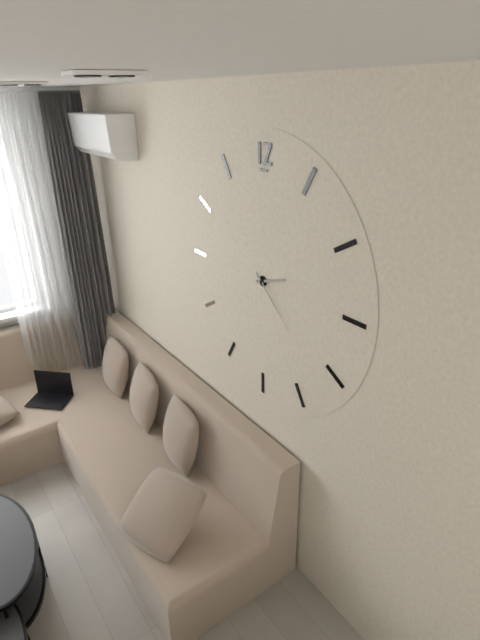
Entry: h=2 m=22
